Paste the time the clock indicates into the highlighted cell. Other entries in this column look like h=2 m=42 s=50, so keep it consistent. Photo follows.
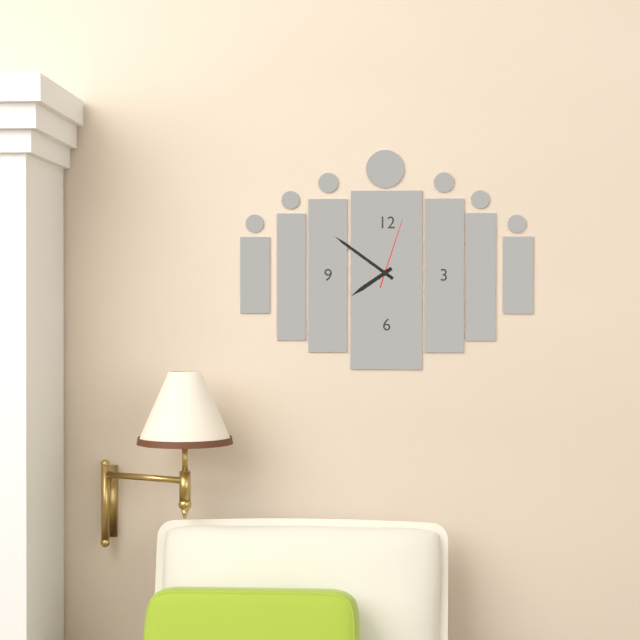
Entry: h=7 m=51 s=3
